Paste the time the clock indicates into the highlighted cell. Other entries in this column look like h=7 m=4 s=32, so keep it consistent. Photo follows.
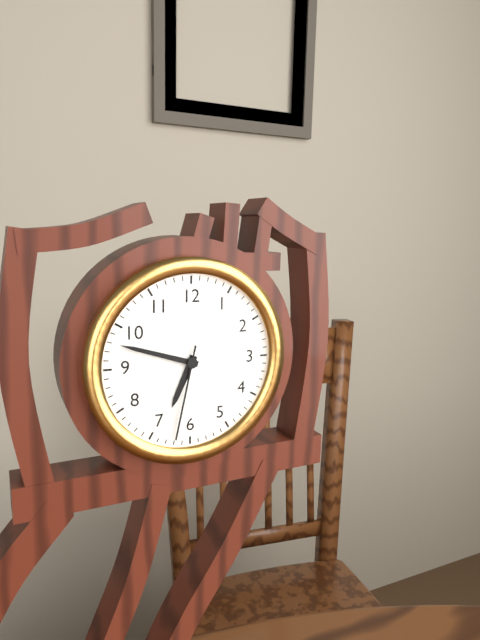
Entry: h=6 m=48 s=32
